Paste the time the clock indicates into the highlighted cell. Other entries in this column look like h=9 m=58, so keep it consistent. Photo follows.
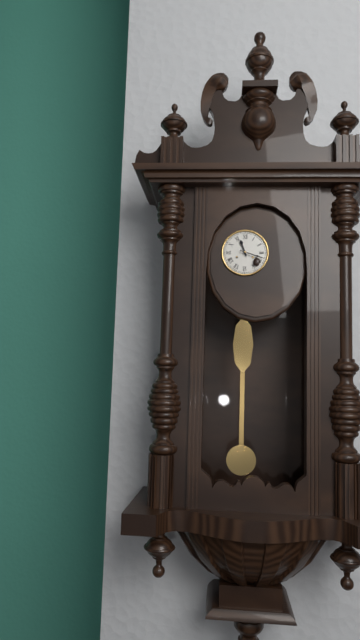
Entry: h=11 m=18
